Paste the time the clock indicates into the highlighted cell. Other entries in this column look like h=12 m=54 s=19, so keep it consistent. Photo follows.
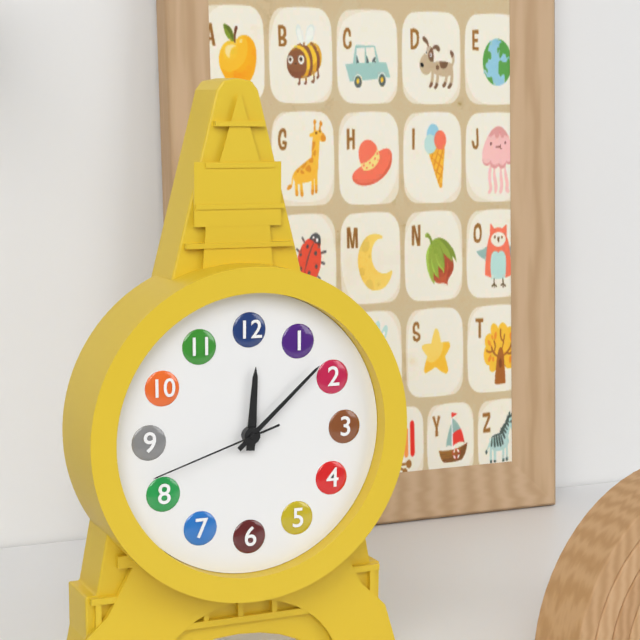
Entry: h=12 m=8 s=42
